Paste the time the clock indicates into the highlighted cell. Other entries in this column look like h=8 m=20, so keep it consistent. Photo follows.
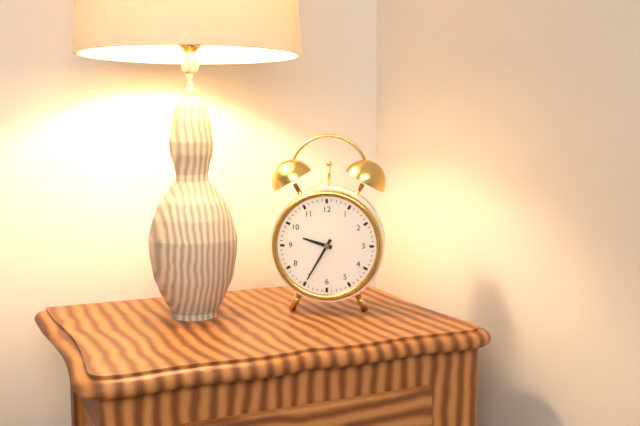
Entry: h=9 m=35
